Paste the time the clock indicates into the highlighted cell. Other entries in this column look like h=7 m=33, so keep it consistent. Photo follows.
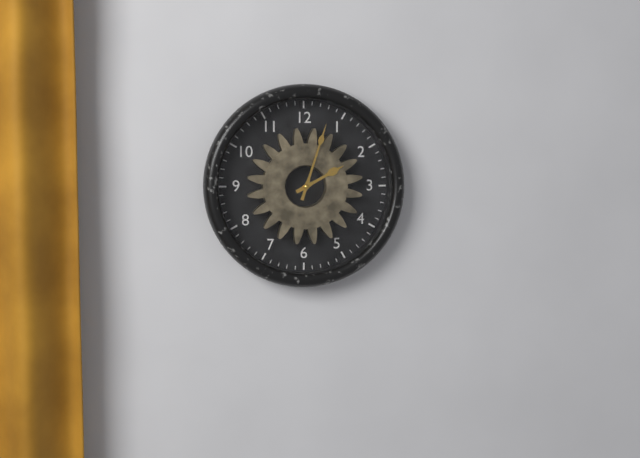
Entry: h=2 m=3
